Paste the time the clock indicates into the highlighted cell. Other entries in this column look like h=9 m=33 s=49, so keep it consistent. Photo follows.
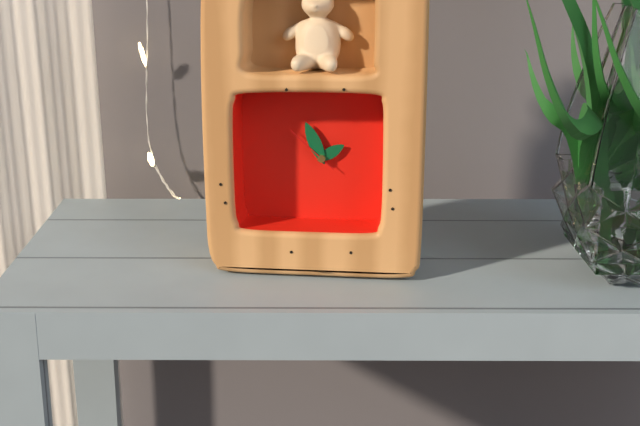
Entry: h=1 m=56 s=52
